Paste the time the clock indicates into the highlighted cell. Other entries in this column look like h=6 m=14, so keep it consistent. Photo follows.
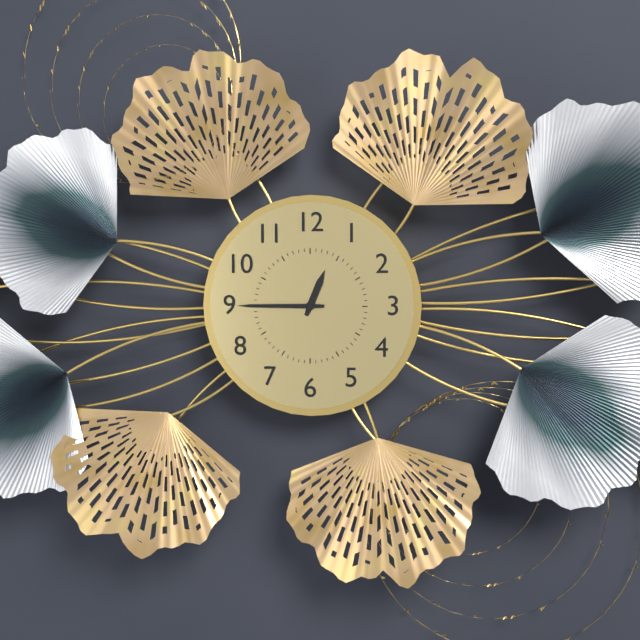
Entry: h=12 m=45
